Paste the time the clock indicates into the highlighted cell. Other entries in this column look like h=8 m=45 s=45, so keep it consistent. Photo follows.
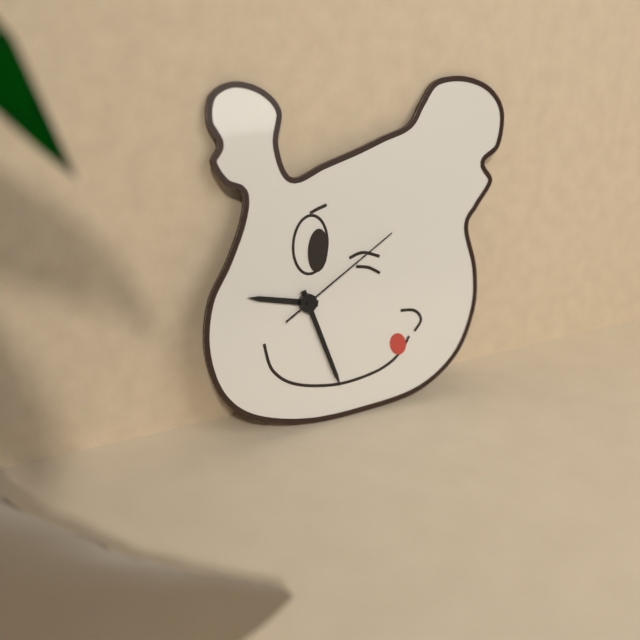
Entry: h=9 m=27 s=10
